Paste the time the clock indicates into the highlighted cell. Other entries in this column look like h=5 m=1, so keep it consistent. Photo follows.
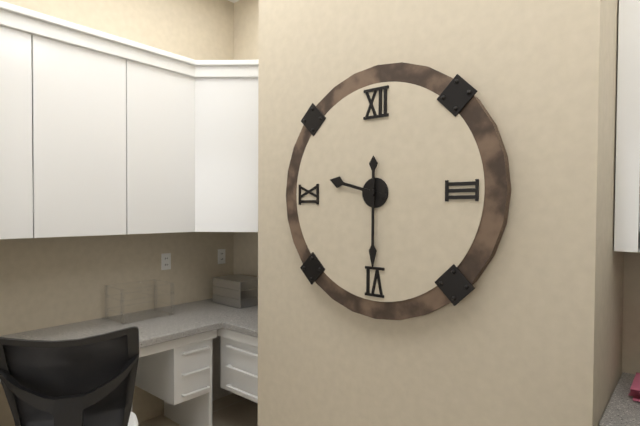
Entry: h=9 m=30
